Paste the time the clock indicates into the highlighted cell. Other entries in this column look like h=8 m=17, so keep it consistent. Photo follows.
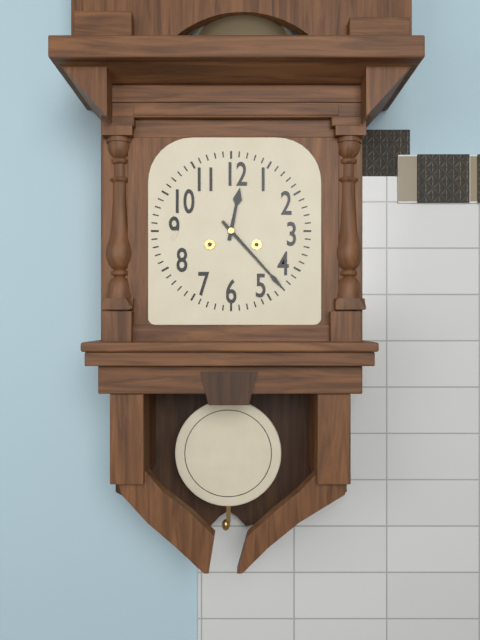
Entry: h=12 m=23
